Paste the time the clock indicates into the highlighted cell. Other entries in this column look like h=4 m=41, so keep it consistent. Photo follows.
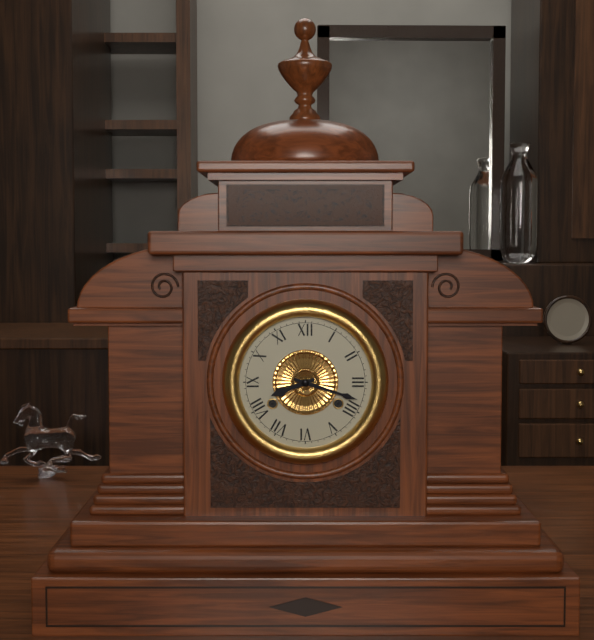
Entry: h=8 m=18
